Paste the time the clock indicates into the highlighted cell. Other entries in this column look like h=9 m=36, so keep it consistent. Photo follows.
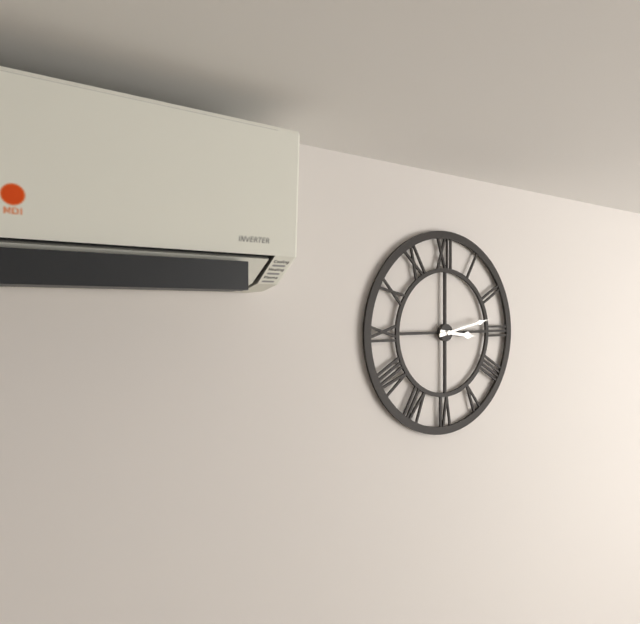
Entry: h=3 m=13
